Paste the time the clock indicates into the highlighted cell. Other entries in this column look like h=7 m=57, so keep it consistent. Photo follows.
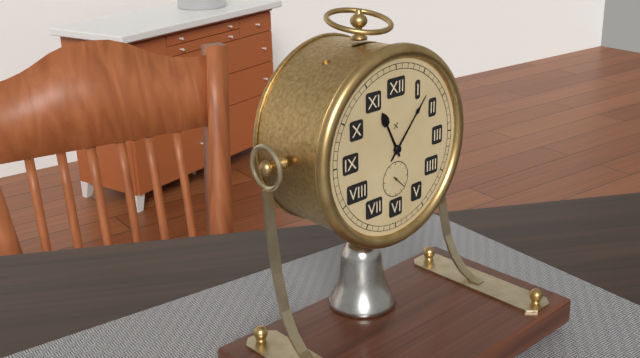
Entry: h=11 m=7
